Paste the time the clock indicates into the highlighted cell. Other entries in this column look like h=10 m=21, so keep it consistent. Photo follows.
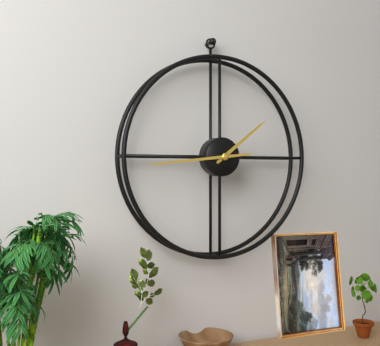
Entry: h=1 m=44
